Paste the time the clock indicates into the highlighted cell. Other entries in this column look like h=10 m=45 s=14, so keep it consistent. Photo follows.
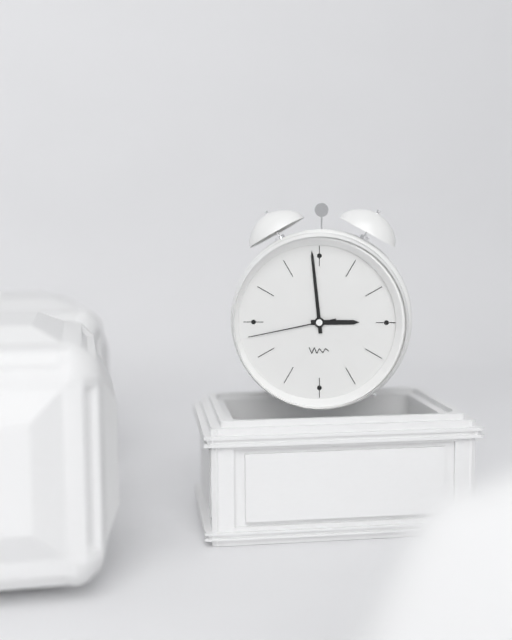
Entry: h=2 m=59 s=43
